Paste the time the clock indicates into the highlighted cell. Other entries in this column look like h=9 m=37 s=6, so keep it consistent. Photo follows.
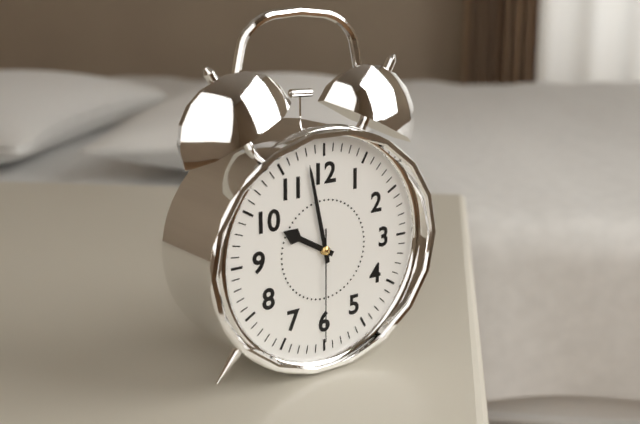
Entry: h=9 m=58 s=30
